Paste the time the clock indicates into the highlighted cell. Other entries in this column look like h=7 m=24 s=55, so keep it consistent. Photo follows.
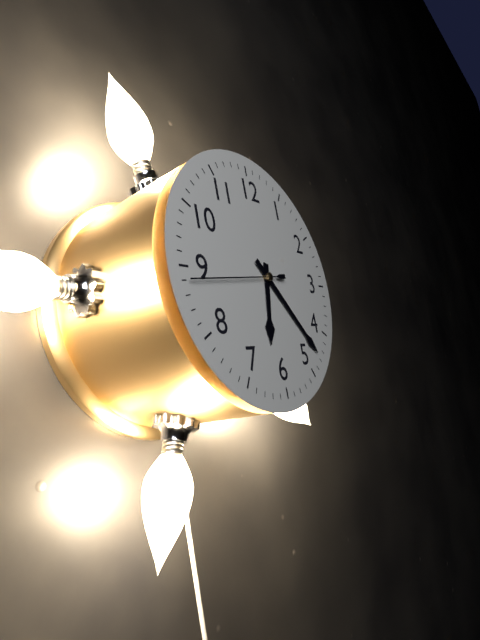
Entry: h=6 m=23 s=44
